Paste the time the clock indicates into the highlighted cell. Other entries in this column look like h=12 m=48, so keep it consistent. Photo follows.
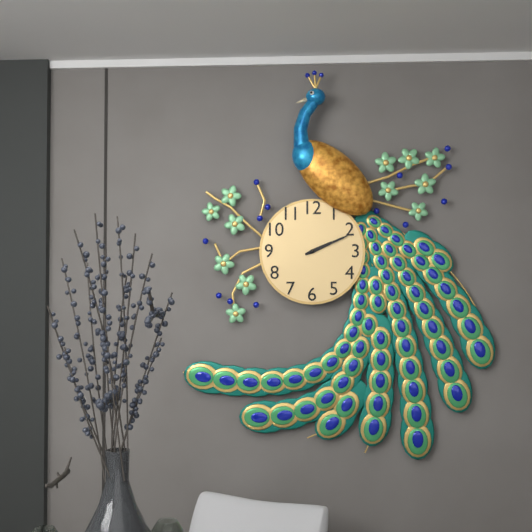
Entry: h=2 m=11
